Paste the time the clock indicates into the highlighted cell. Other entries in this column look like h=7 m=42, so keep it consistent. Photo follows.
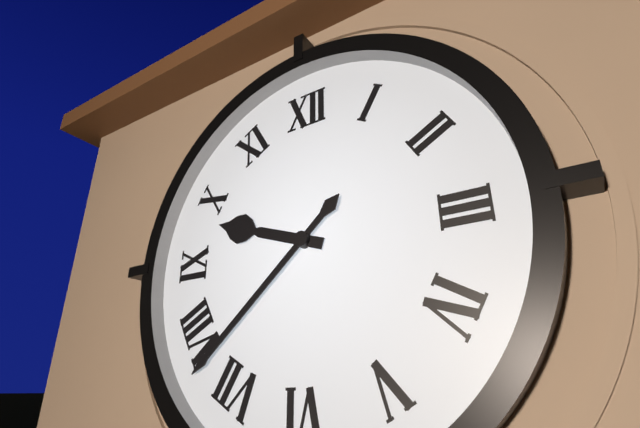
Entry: h=9 m=38
